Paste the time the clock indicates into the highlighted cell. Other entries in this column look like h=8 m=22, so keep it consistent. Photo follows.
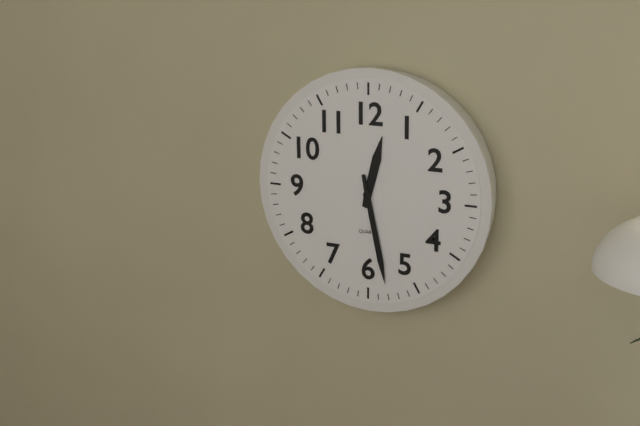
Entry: h=12 m=28
